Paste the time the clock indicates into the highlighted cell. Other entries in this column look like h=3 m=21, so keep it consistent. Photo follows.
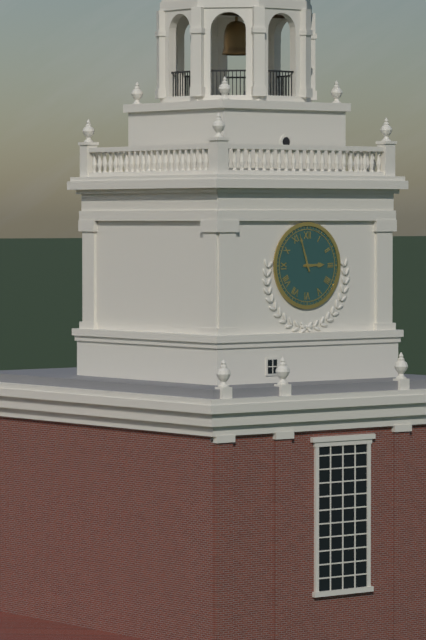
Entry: h=2 m=57
